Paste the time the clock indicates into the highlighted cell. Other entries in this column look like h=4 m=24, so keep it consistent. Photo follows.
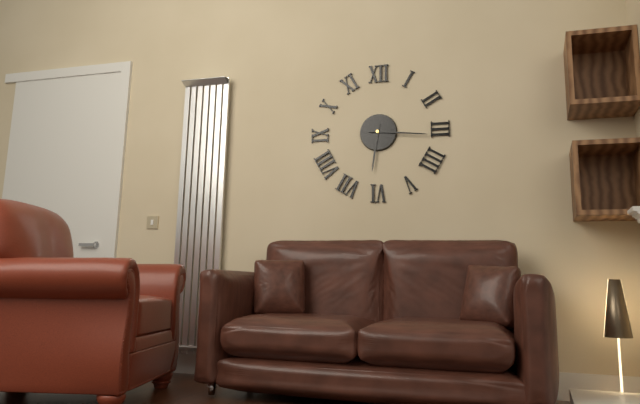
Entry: h=6 m=16
